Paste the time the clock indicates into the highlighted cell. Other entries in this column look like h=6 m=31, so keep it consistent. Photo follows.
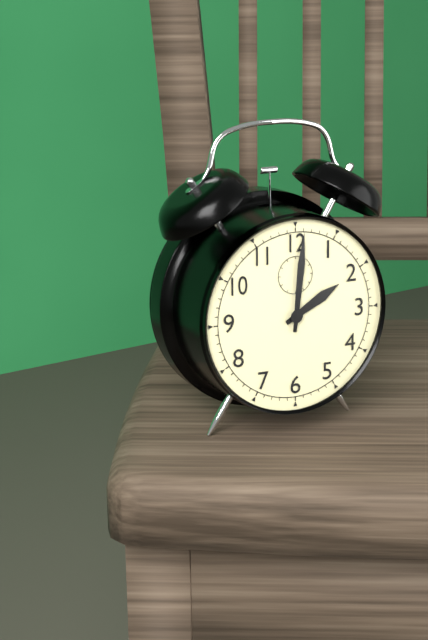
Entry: h=2 m=1
